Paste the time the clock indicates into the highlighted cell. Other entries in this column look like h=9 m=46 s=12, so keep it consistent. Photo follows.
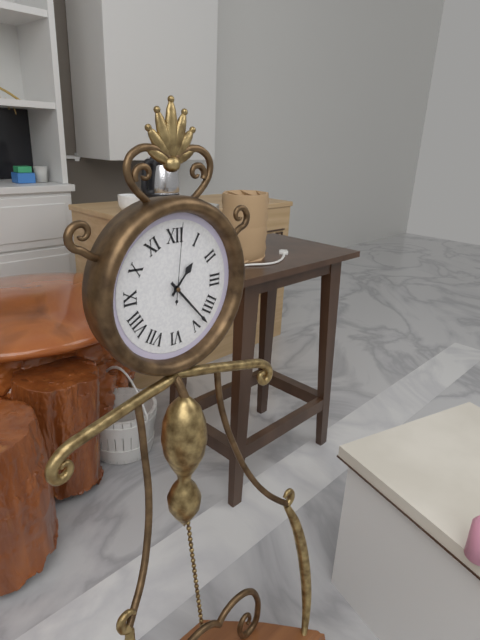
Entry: h=1 m=23 s=1
